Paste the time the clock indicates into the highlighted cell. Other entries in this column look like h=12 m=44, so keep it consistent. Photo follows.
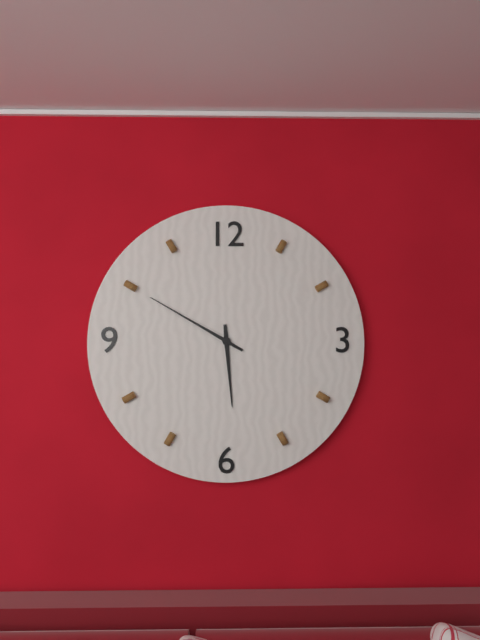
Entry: h=5 m=50
